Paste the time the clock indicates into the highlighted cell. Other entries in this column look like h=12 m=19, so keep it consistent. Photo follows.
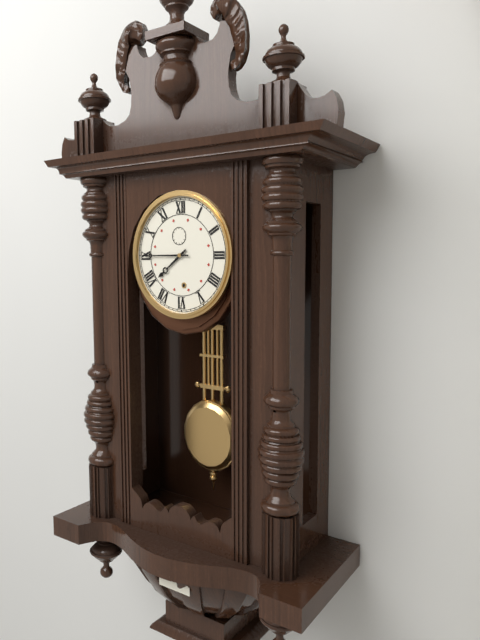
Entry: h=7 m=45
